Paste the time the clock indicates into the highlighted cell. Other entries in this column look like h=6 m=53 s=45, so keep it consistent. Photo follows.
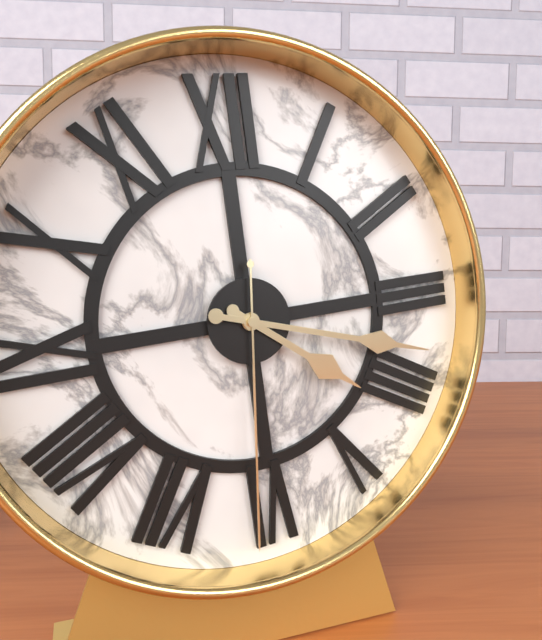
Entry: h=4 m=18 s=31
